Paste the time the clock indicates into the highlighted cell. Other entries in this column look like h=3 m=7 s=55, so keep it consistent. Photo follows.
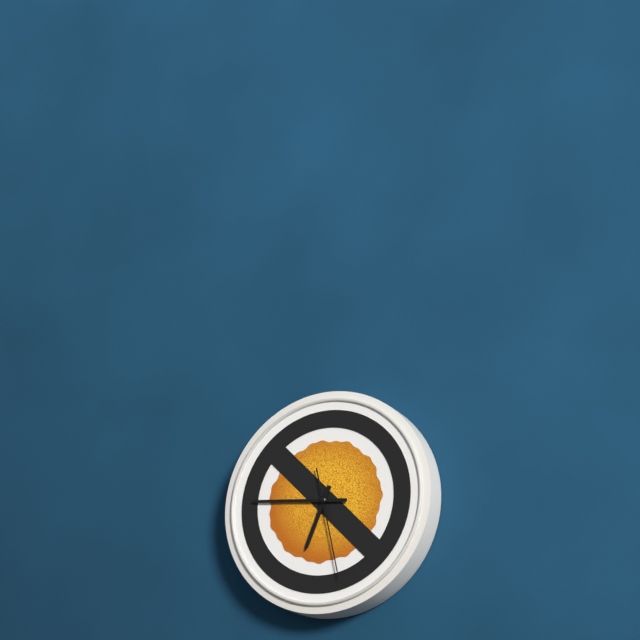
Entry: h=6 m=46 s=28
